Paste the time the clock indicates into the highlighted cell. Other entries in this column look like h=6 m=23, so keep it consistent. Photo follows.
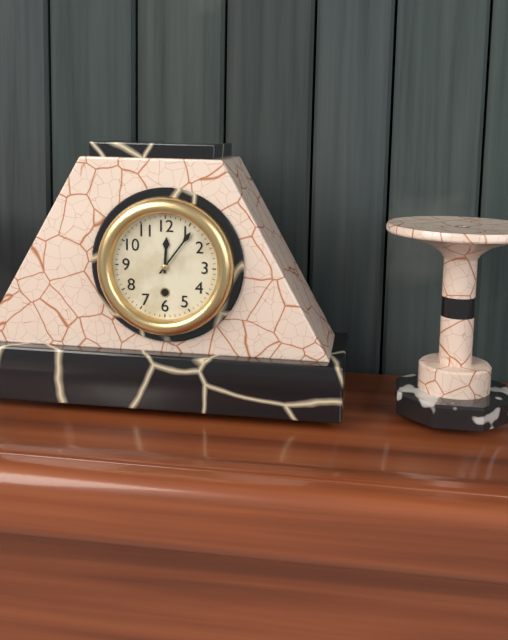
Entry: h=12 m=6
